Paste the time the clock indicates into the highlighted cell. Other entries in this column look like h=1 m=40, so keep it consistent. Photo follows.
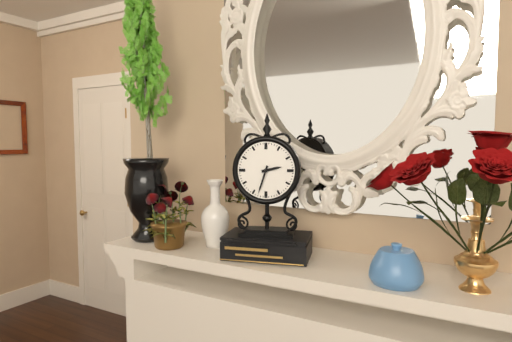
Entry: h=2 m=33
